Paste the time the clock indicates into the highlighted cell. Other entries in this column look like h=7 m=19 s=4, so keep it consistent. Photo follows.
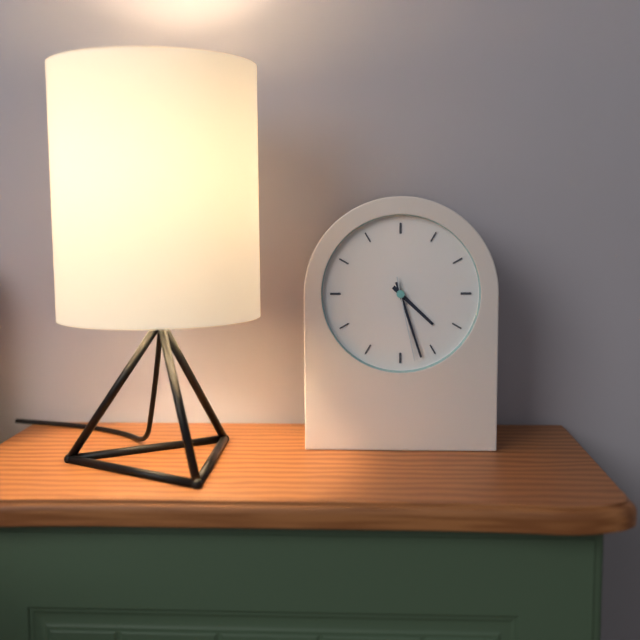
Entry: h=4 m=27 s=28
